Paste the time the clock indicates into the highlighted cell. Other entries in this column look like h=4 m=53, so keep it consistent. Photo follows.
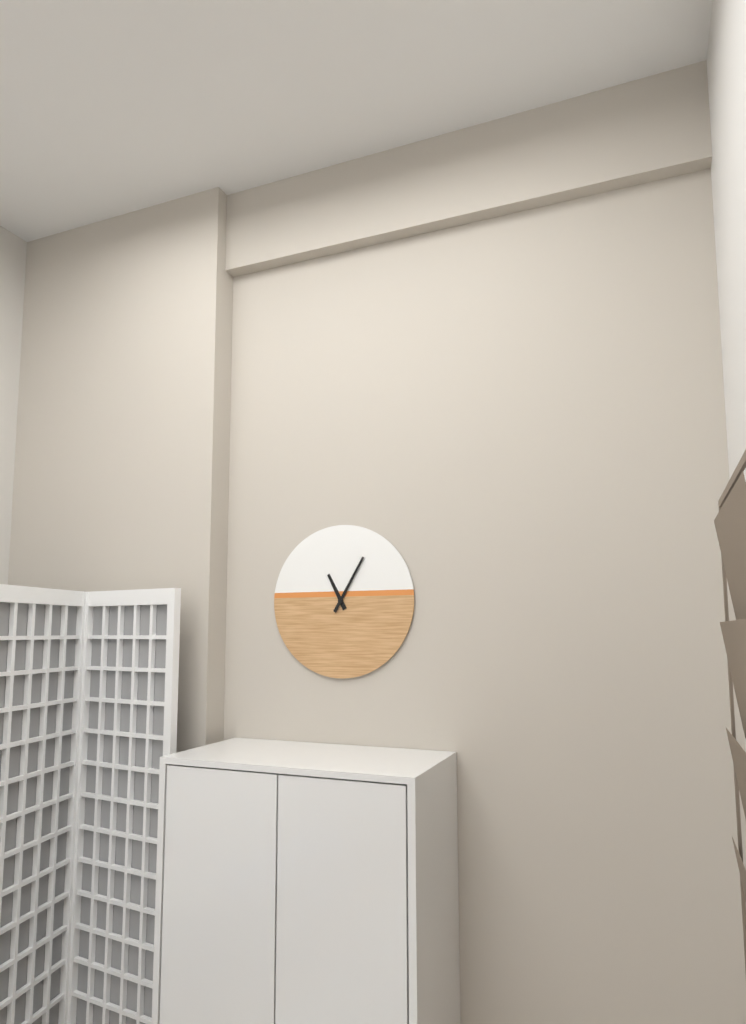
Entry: h=11 m=5
